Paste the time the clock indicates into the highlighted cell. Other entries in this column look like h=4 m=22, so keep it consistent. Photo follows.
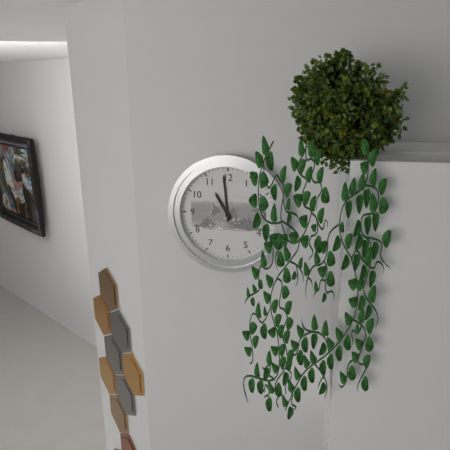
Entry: h=10 m=59
